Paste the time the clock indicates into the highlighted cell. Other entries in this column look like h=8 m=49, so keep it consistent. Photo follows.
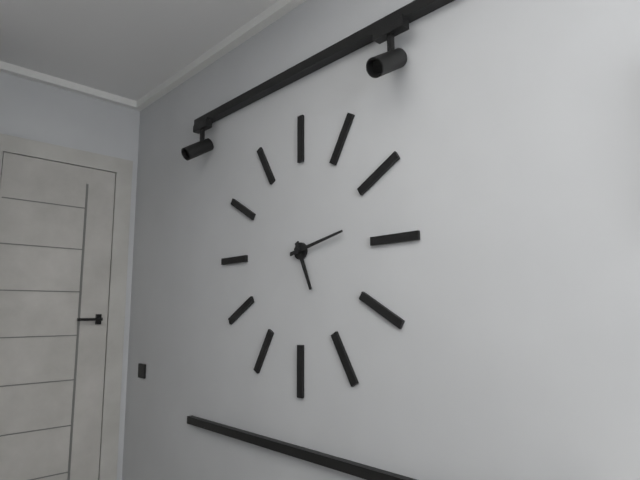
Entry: h=5 m=13
